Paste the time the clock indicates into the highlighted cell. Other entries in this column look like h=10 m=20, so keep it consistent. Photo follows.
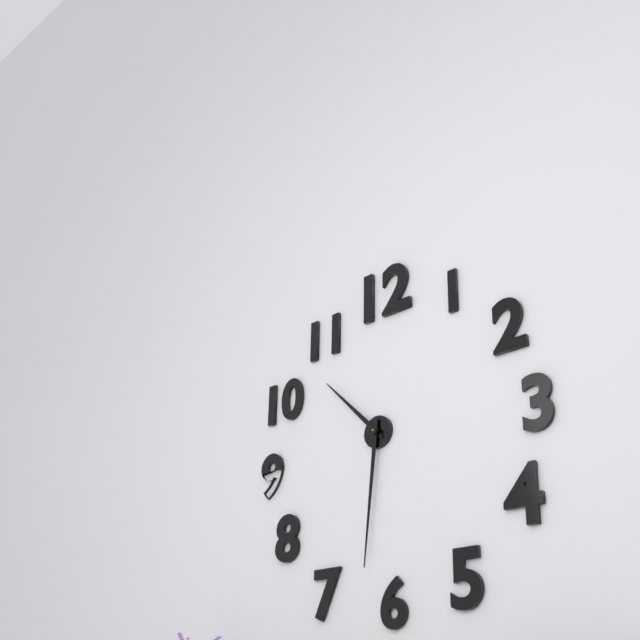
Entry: h=10 m=31
